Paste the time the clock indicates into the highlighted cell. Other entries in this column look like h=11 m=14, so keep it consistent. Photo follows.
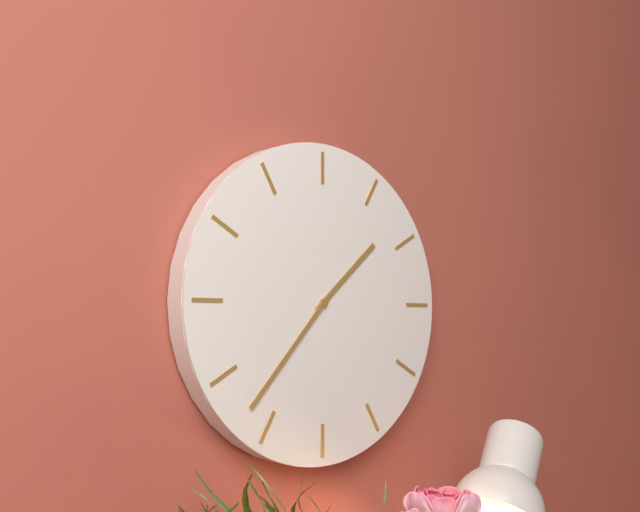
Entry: h=1 m=37
